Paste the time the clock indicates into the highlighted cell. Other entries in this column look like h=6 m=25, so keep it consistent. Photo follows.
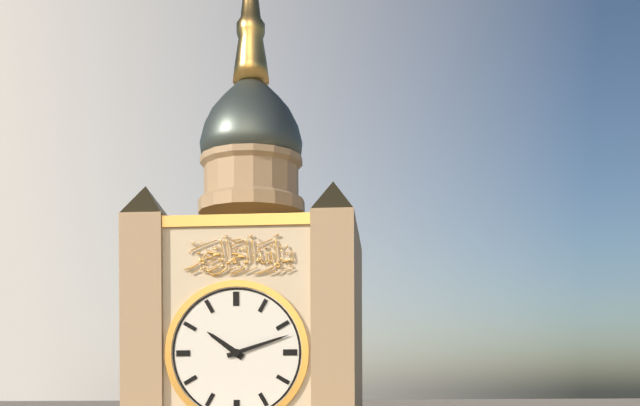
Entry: h=10 m=12
